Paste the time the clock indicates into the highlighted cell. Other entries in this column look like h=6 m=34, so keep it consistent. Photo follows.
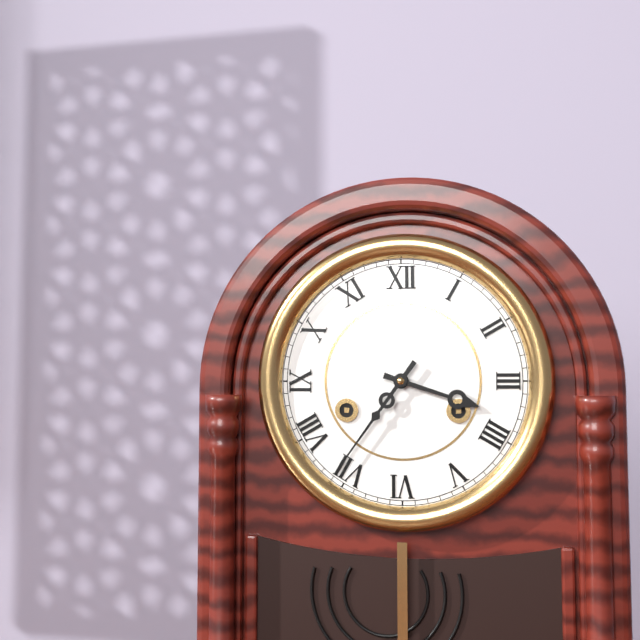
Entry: h=3 m=36
